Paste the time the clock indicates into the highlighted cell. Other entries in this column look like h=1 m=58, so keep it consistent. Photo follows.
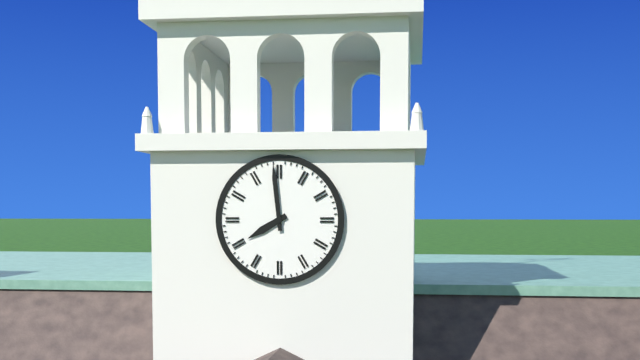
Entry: h=7 m=59
